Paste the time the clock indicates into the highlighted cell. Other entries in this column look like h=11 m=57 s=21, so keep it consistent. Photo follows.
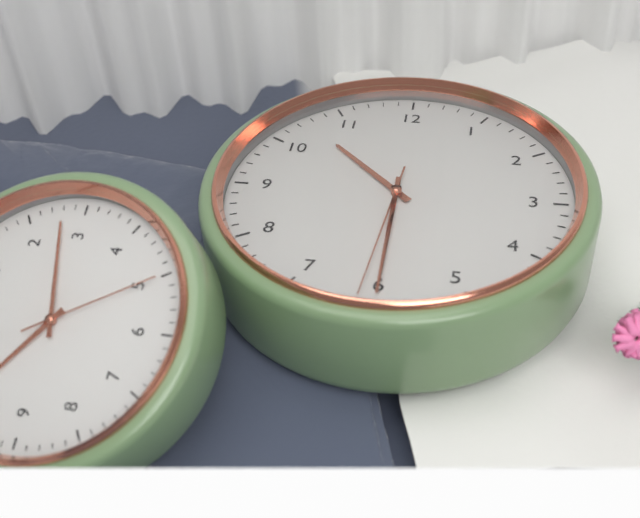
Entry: h=10 m=30 s=31
